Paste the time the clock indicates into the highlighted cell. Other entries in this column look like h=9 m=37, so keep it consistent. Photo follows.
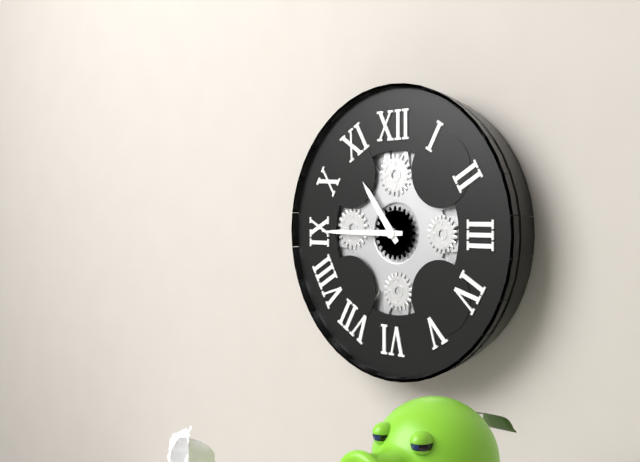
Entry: h=10 m=45
